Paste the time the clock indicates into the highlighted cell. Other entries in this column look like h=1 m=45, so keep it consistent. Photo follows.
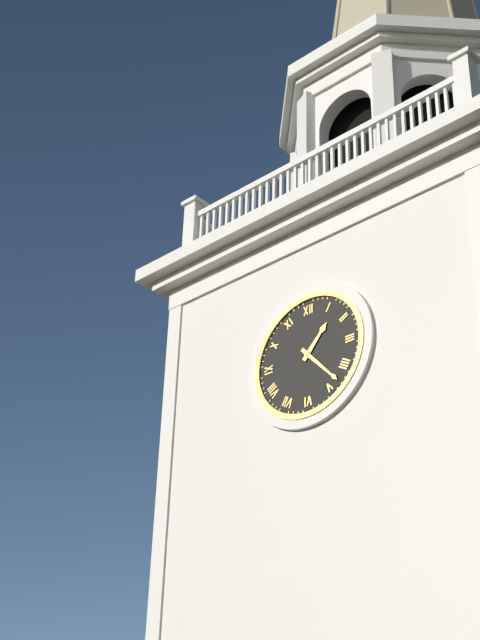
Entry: h=1 m=23
